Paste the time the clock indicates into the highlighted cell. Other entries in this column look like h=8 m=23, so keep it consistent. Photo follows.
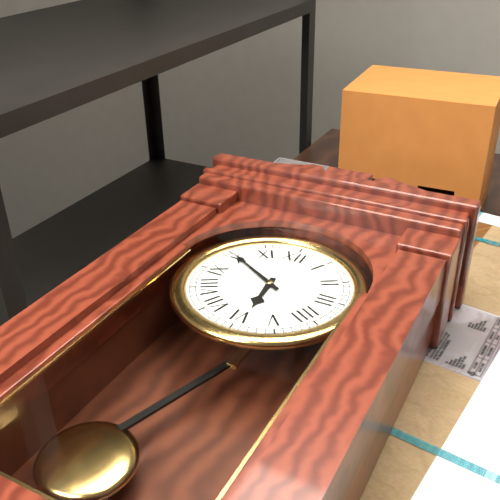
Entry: h=5 m=50
